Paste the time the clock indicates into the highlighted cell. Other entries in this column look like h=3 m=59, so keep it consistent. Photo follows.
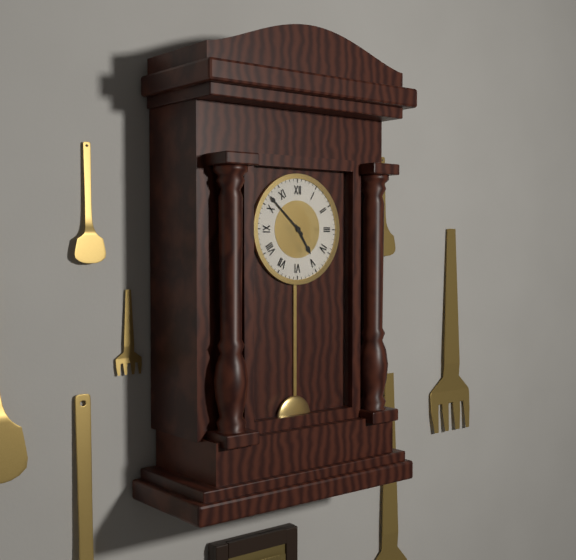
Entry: h=4 m=52
